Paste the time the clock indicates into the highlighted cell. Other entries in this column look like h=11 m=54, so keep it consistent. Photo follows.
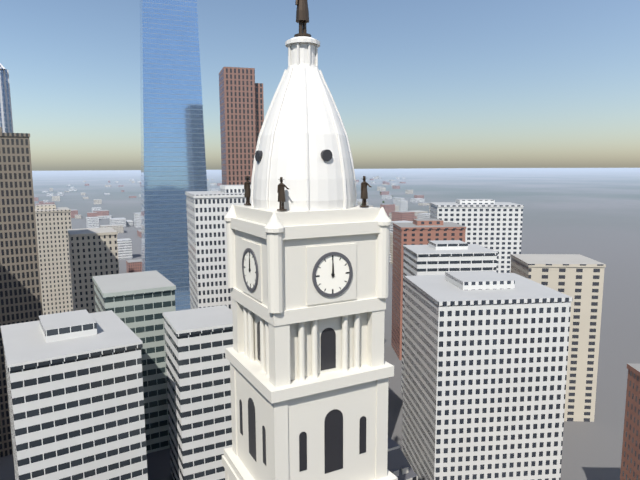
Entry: h=12 m=0
